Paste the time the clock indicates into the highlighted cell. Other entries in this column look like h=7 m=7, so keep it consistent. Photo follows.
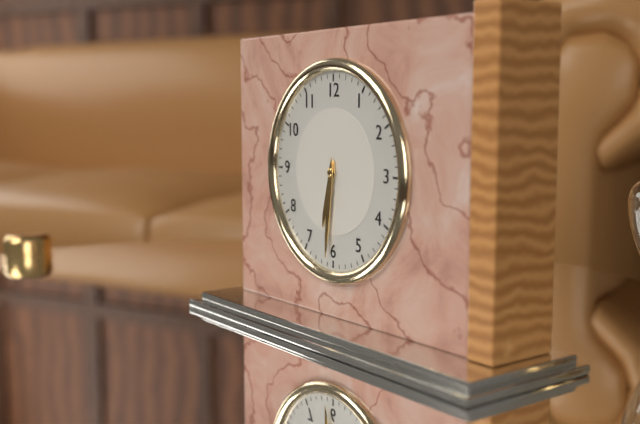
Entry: h=6 m=31
